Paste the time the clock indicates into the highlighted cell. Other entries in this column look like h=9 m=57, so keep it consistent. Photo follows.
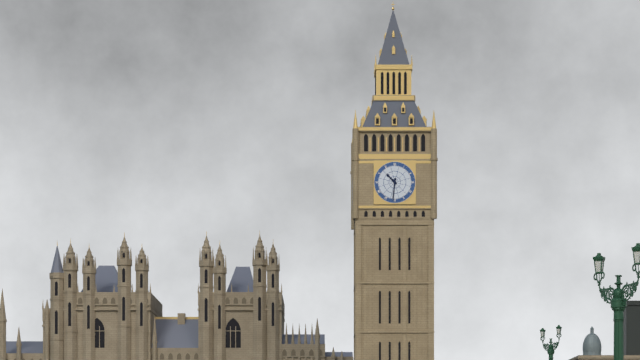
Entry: h=10 m=31
